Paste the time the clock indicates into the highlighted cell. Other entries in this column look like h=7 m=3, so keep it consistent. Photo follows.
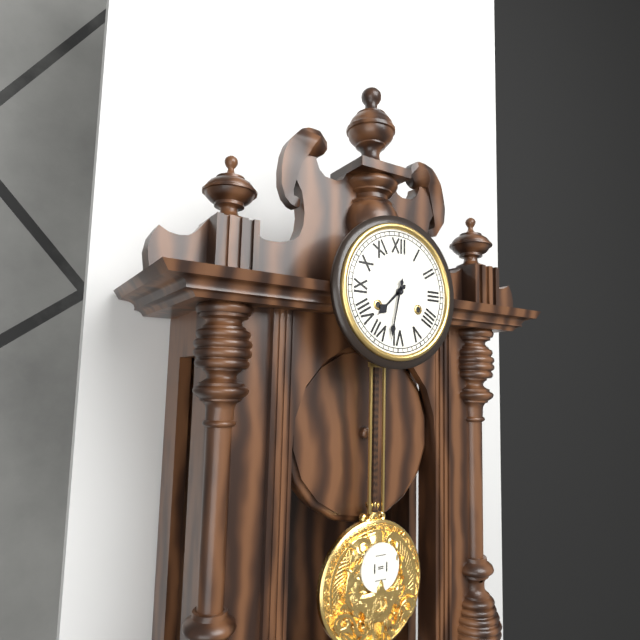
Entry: h=7 m=32
